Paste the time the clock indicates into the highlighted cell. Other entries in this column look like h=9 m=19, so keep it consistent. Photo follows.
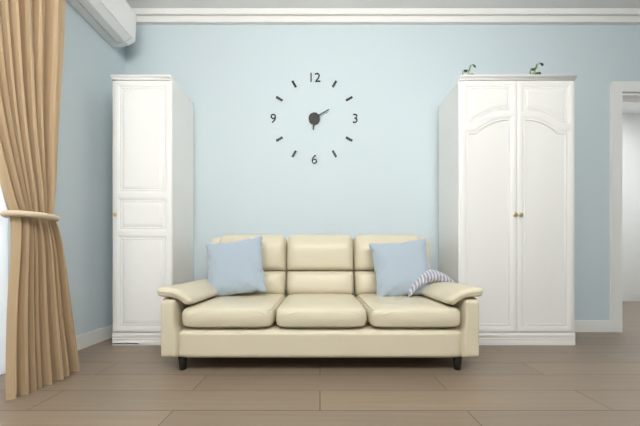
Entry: h=6 m=10
